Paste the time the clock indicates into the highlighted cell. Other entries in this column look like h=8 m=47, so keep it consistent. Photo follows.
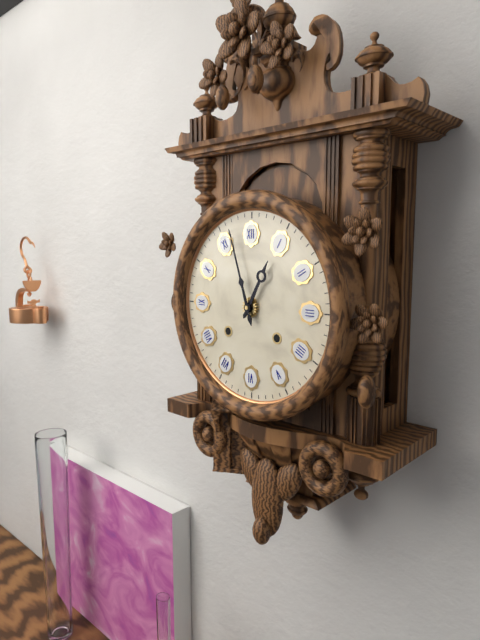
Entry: h=12 m=57
